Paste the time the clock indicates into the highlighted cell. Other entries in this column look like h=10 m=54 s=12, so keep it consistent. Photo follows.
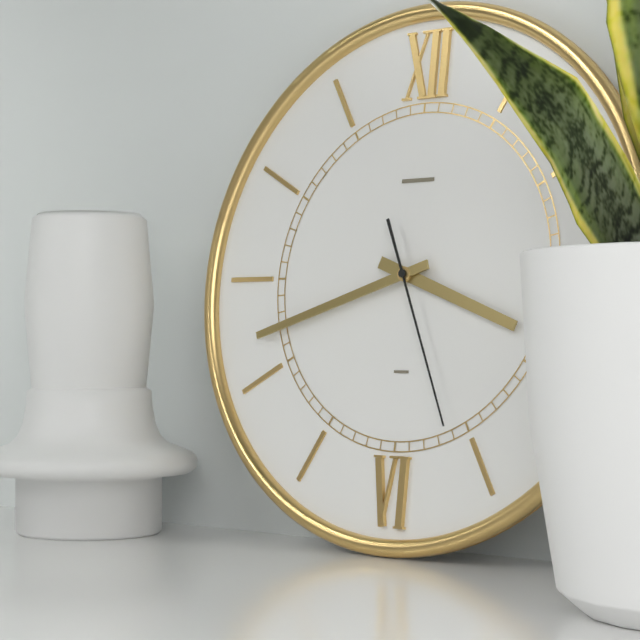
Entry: h=3 m=42 s=26
